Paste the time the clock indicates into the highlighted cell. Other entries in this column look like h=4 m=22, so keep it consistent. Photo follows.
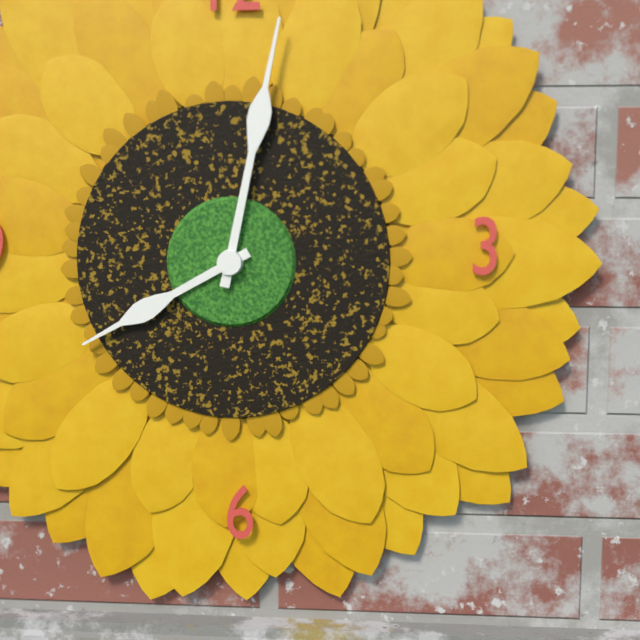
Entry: h=8 m=2
